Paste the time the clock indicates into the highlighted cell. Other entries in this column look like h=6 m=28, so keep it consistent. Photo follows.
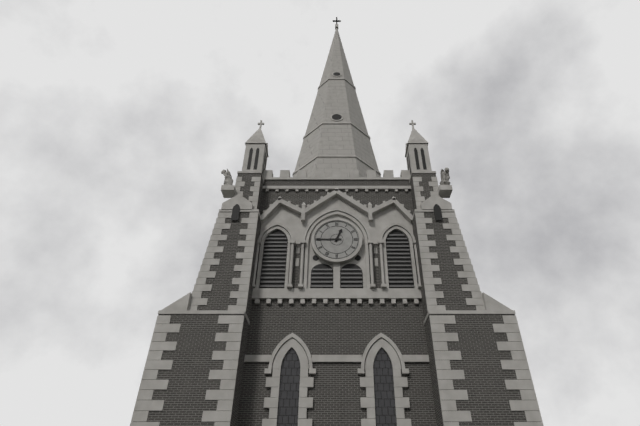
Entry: h=12 m=45
